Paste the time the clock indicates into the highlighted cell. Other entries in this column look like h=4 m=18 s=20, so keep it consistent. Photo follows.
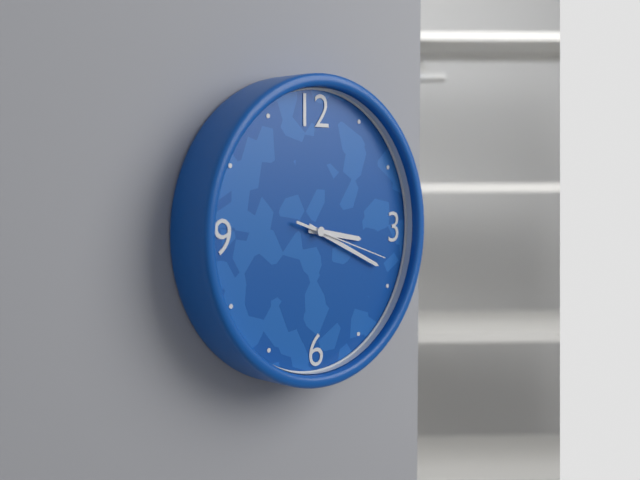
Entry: h=3 m=19 s=18
